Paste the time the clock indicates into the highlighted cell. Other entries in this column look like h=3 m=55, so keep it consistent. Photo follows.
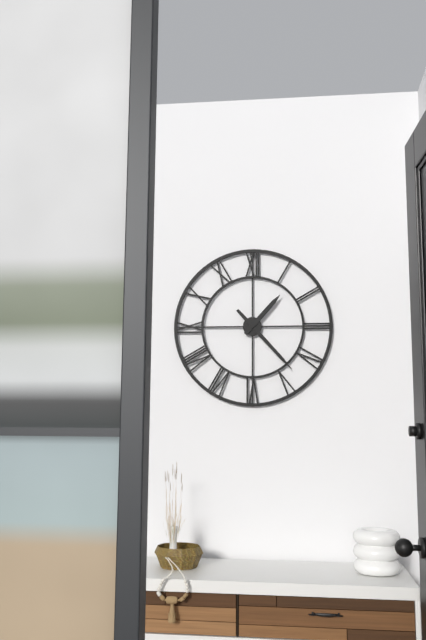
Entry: h=1 m=23
